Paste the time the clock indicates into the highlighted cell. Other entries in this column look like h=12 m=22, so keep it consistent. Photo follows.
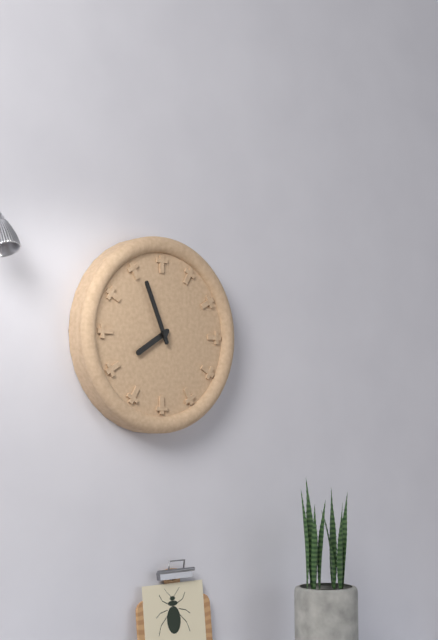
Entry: h=7 m=56
